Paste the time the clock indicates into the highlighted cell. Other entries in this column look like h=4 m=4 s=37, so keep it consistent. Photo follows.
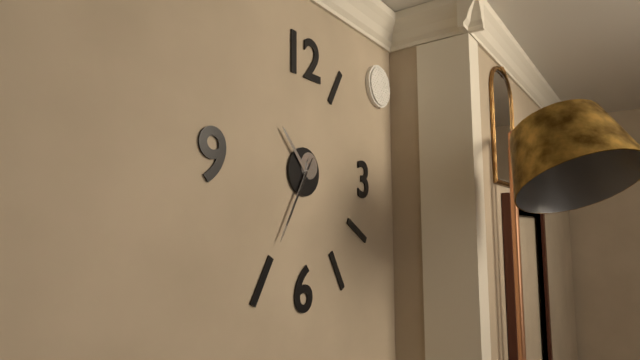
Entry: h=10 m=35 s=35
